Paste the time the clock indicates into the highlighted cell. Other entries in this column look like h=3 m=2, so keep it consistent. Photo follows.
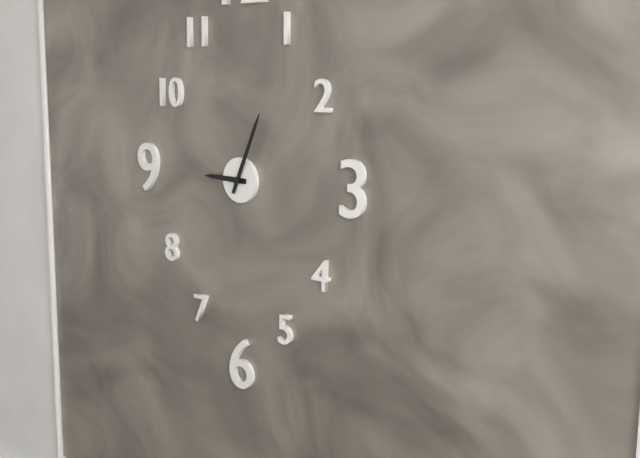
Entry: h=9 m=4
